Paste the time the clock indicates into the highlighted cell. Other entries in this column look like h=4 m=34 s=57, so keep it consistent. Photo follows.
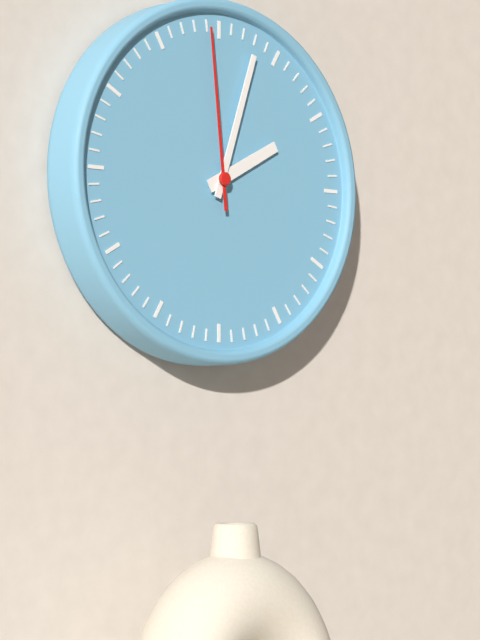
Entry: h=2 m=3 s=59
